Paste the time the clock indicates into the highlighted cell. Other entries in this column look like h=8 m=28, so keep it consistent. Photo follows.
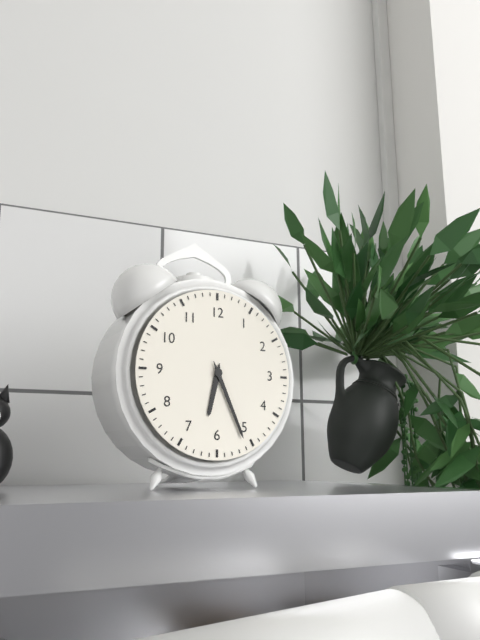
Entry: h=6 m=26
